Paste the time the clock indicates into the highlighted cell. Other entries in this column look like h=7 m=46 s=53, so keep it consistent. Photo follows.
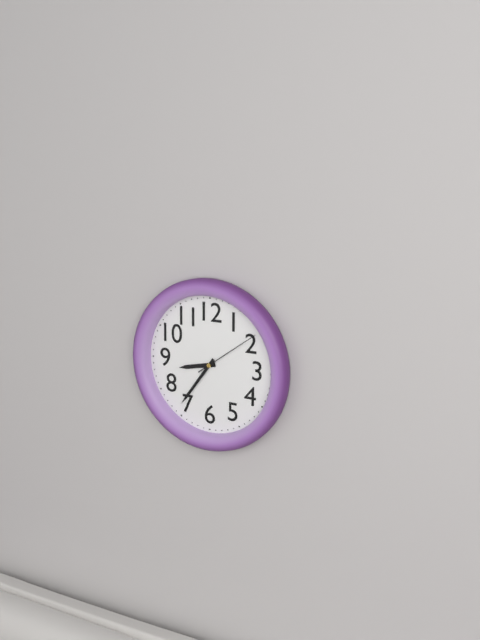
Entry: h=8 m=36 s=9
